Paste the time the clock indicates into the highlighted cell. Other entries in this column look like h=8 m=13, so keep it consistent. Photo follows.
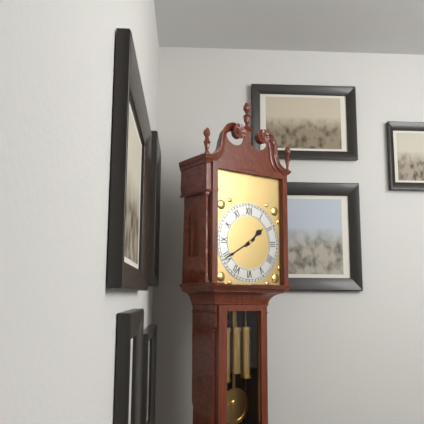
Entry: h=1 m=40
